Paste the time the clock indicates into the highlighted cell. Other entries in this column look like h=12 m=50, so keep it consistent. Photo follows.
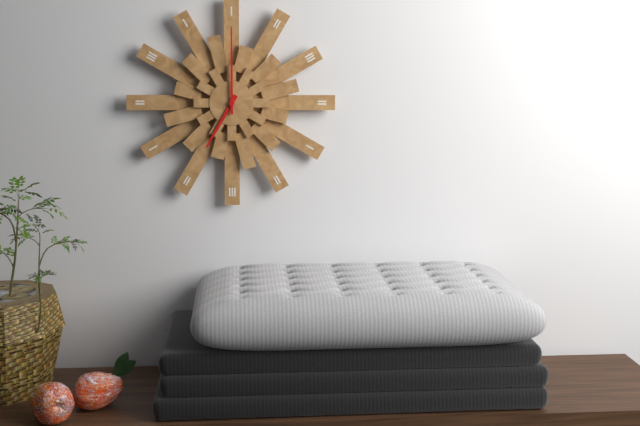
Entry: h=7 m=0
